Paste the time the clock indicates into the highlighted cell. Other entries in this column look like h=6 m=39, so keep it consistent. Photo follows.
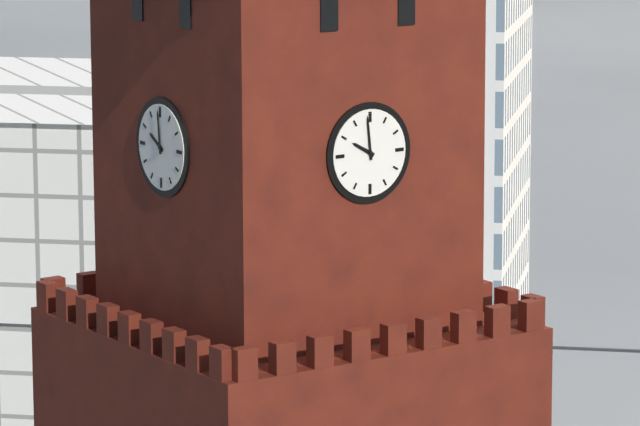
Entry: h=9 m=59
